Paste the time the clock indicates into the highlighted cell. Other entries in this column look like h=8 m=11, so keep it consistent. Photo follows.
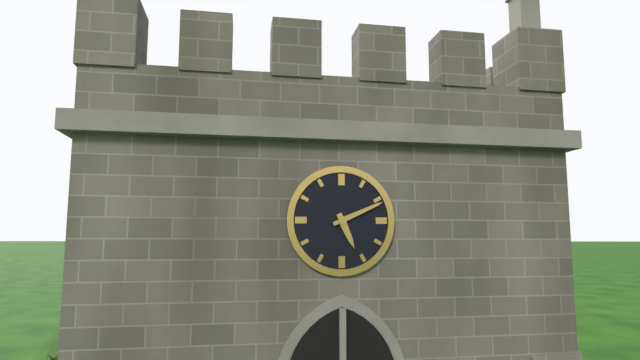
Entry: h=5 m=11
